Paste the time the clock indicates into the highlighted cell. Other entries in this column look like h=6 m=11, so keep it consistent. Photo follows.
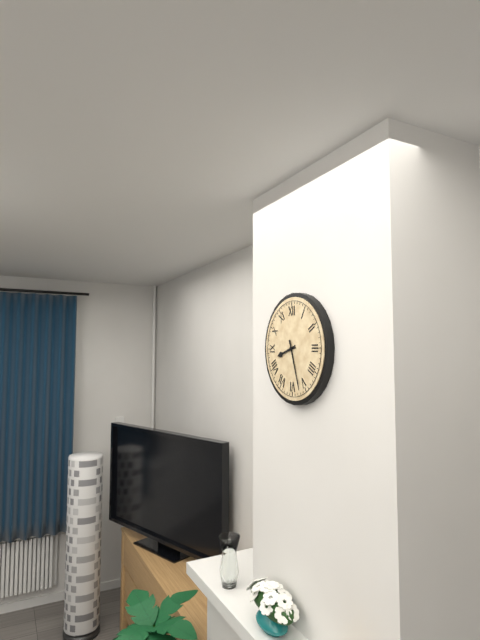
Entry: h=8 m=27
